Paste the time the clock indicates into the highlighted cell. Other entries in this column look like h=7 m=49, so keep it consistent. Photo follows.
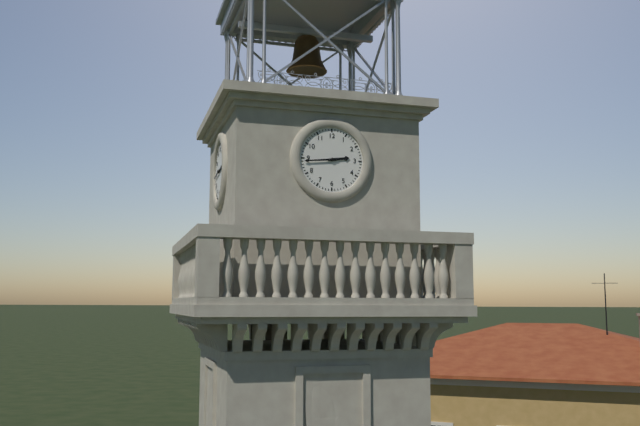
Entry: h=2 m=44
